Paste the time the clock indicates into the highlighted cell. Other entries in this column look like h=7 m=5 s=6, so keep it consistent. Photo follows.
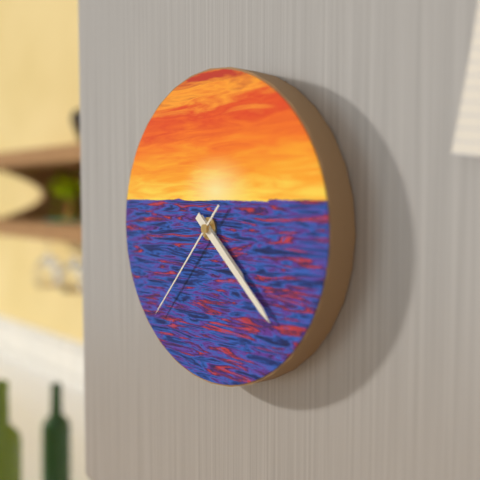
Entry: h=4 m=22 s=37
